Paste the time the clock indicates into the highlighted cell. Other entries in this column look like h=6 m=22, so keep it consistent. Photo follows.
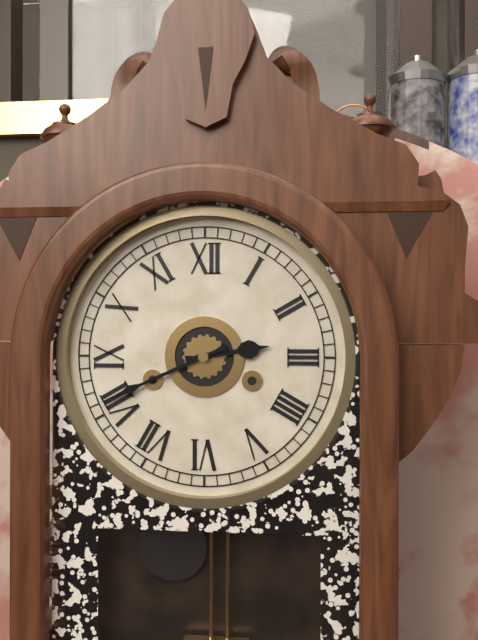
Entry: h=2 m=41
